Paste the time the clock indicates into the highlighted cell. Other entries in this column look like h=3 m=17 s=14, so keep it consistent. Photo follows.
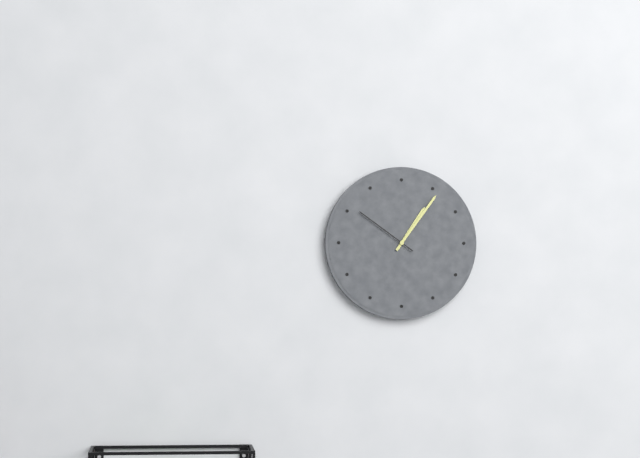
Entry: h=1 m=6 s=51
